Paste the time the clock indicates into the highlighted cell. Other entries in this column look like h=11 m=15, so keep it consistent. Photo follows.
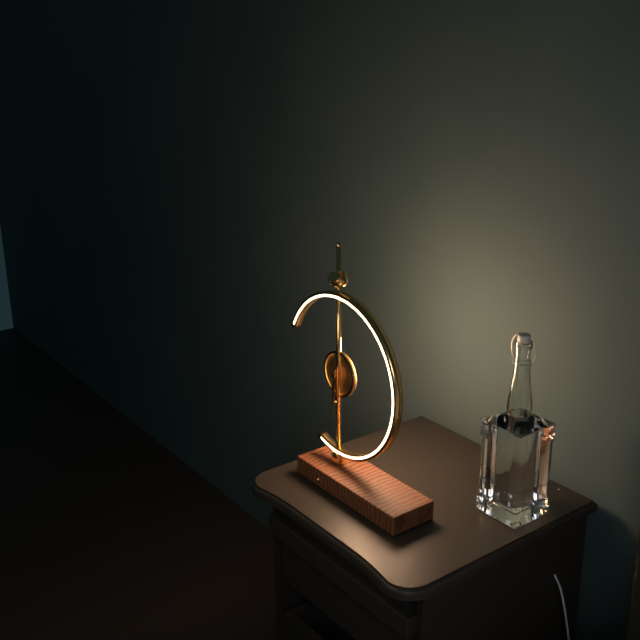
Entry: h=6 m=31
